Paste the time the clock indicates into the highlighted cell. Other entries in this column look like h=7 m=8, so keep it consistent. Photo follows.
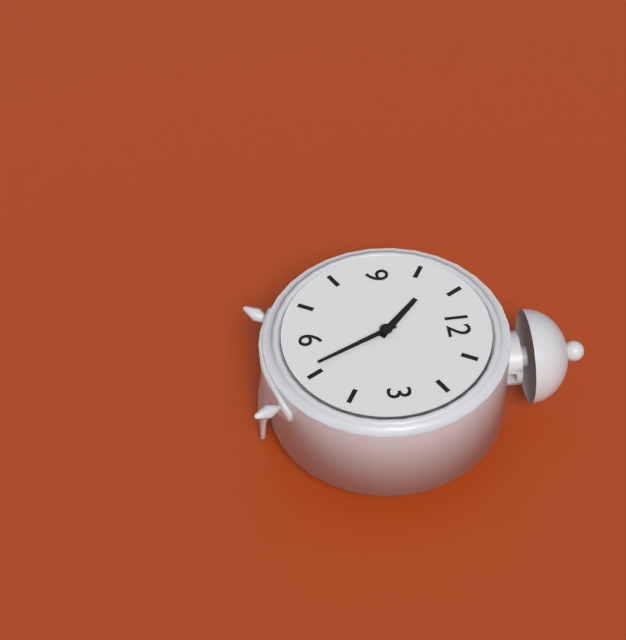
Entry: h=10 m=26
